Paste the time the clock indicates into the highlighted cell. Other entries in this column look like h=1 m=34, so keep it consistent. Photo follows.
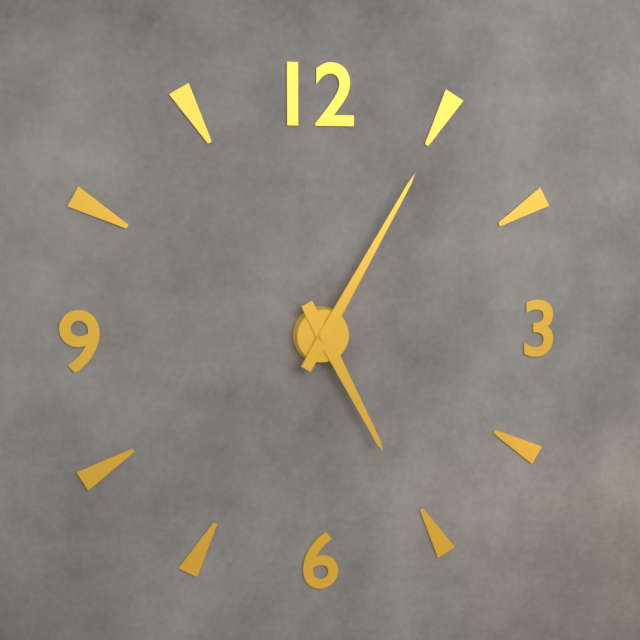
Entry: h=5 m=5
